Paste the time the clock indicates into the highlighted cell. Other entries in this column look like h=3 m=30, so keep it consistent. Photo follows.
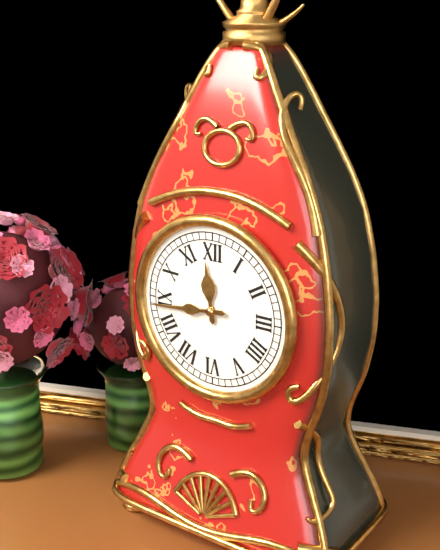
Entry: h=11 m=44
